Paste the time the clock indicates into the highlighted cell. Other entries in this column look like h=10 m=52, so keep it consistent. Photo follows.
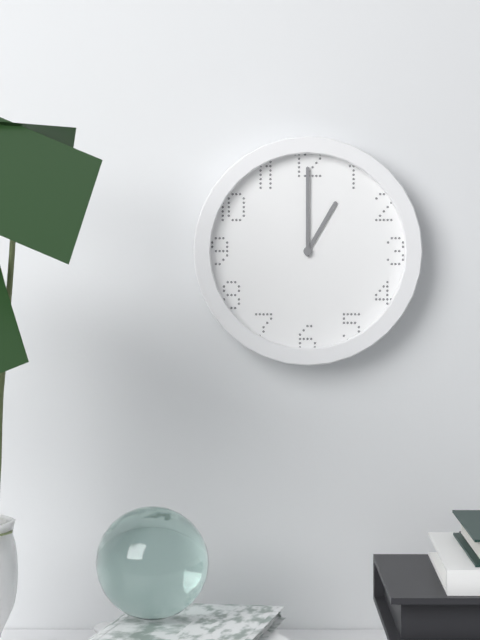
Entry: h=1 m=0
